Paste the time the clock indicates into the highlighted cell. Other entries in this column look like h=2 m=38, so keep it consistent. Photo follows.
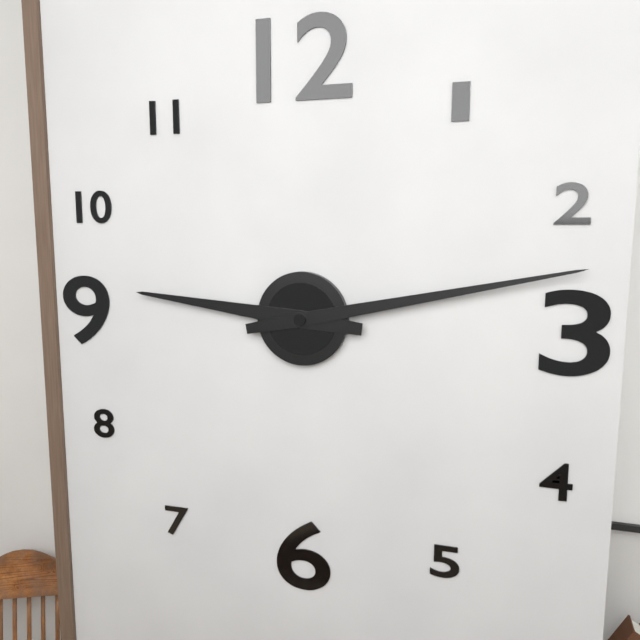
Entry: h=9 m=13
